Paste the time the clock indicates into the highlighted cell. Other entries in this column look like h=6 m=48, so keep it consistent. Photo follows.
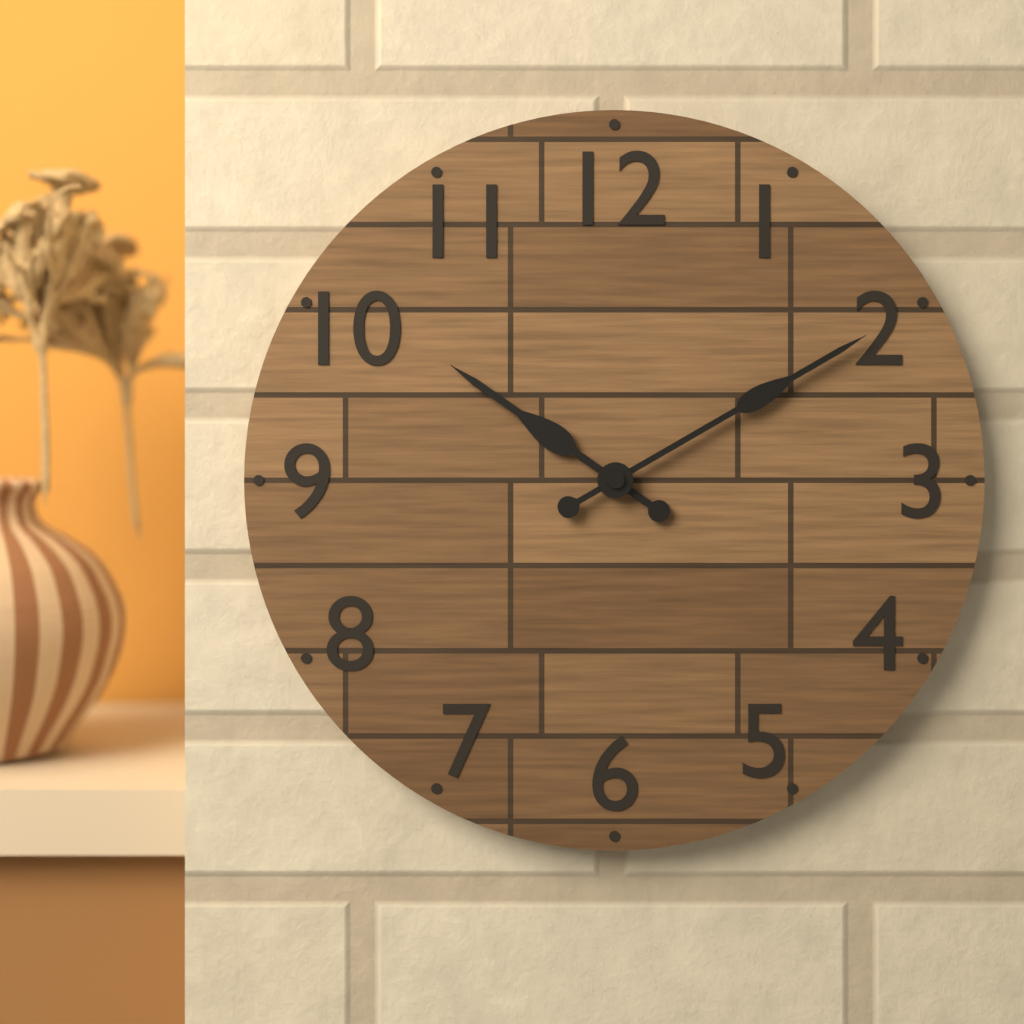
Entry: h=10 m=10
